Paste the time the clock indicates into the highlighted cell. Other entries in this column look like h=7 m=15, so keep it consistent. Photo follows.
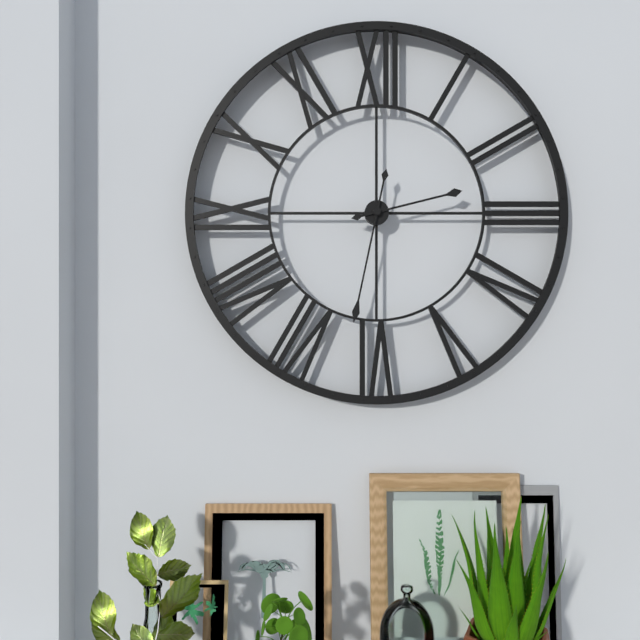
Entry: h=2 m=32
